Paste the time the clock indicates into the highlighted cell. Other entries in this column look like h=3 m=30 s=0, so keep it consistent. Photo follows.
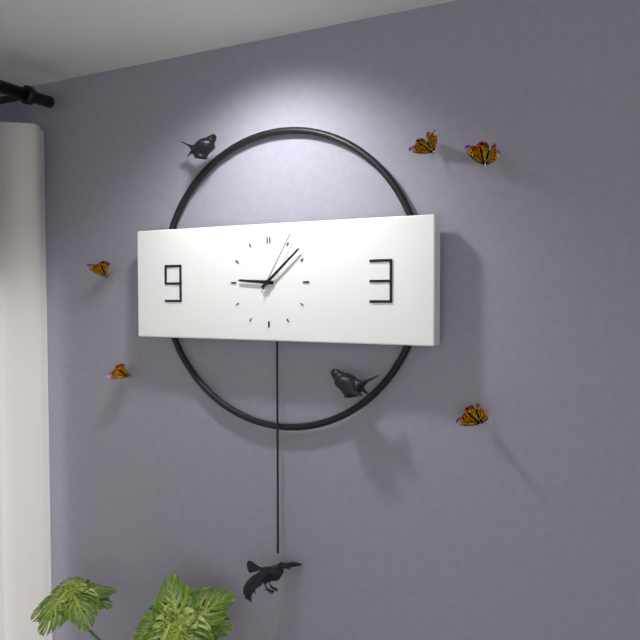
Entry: h=9 m=8 s=5
